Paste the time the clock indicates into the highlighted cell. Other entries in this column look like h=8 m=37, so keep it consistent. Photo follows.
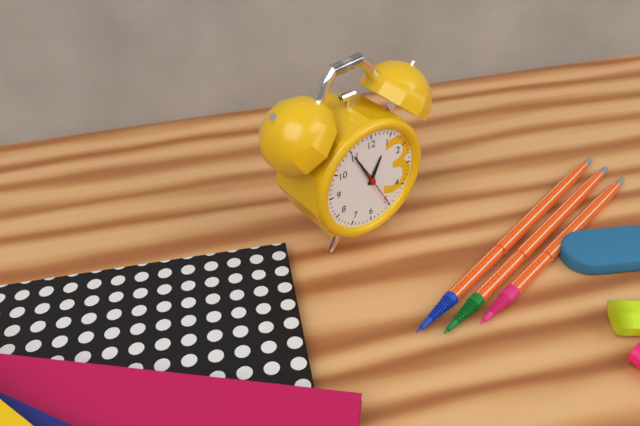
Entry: h=12 m=55
